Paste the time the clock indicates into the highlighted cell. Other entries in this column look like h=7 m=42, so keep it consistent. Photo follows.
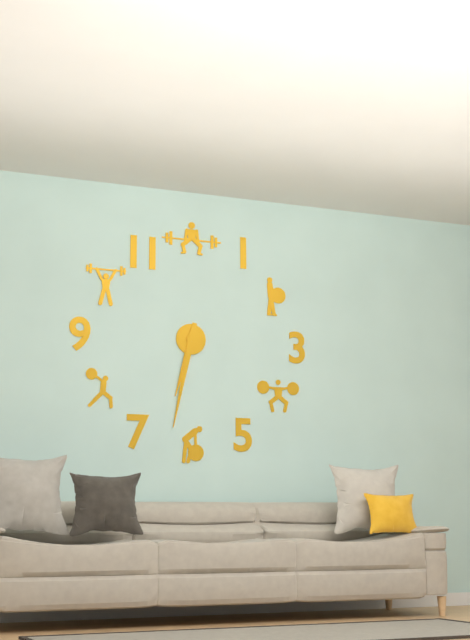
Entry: h=6 m=32
